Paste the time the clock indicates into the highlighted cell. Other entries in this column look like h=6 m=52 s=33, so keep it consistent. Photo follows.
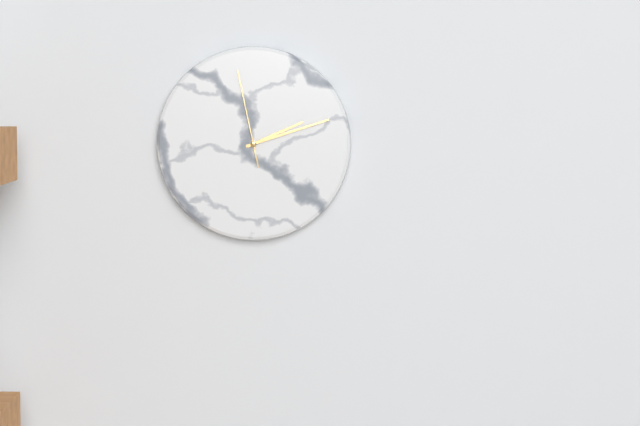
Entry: h=2 m=12 s=58
